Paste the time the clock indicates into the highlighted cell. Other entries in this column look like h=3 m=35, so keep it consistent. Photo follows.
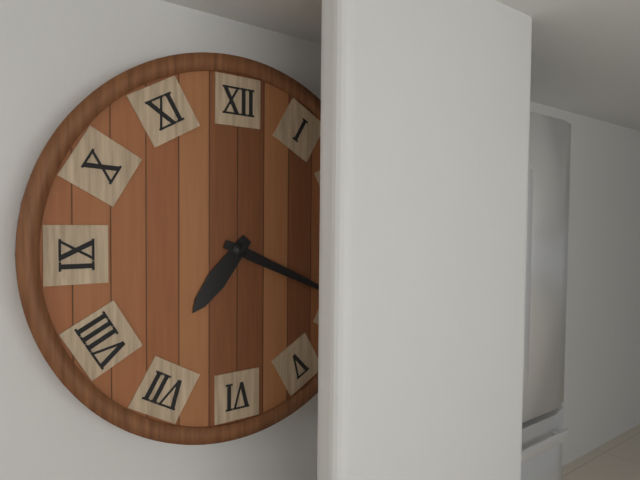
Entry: h=7 m=19
